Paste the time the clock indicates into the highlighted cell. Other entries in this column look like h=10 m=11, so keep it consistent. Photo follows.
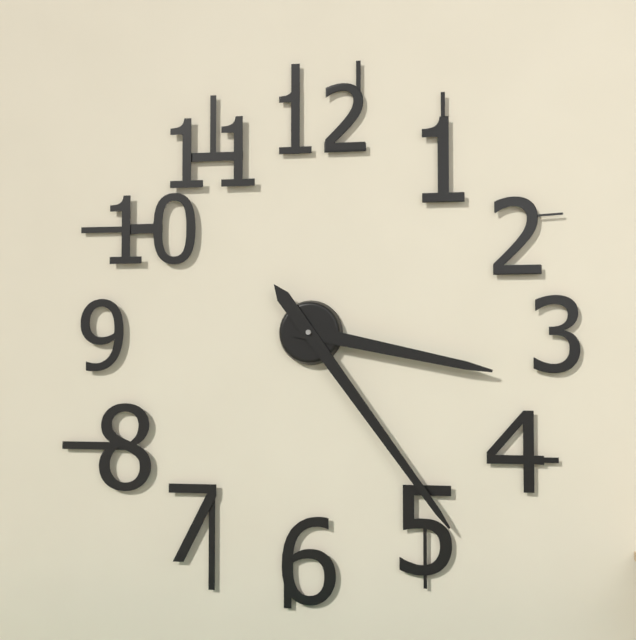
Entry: h=3 m=24
